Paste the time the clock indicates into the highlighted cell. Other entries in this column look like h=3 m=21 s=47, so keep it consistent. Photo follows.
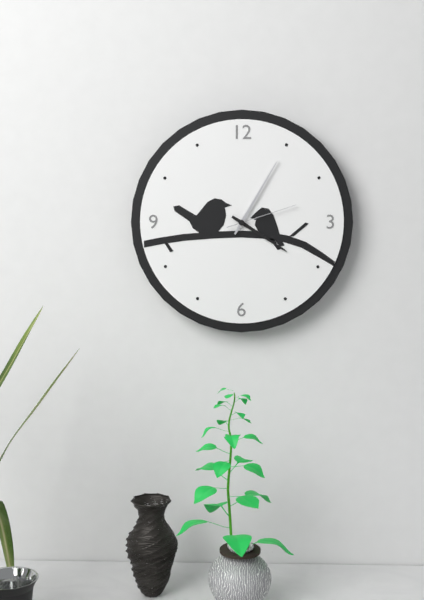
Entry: h=4 m=5 s=12
